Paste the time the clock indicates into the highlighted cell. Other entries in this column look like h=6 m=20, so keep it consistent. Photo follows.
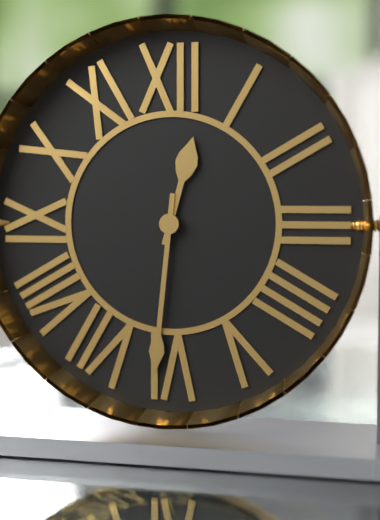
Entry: h=12 m=31
